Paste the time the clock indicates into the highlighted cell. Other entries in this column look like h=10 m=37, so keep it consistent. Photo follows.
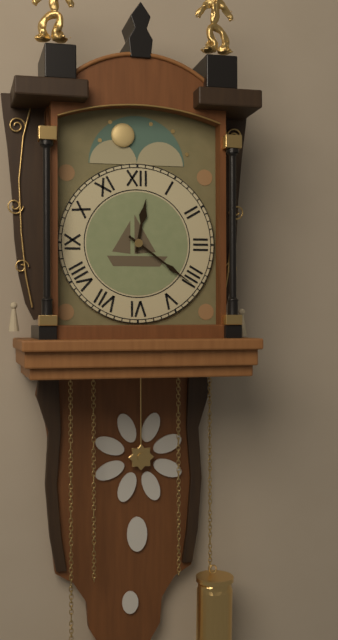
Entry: h=12 m=21
